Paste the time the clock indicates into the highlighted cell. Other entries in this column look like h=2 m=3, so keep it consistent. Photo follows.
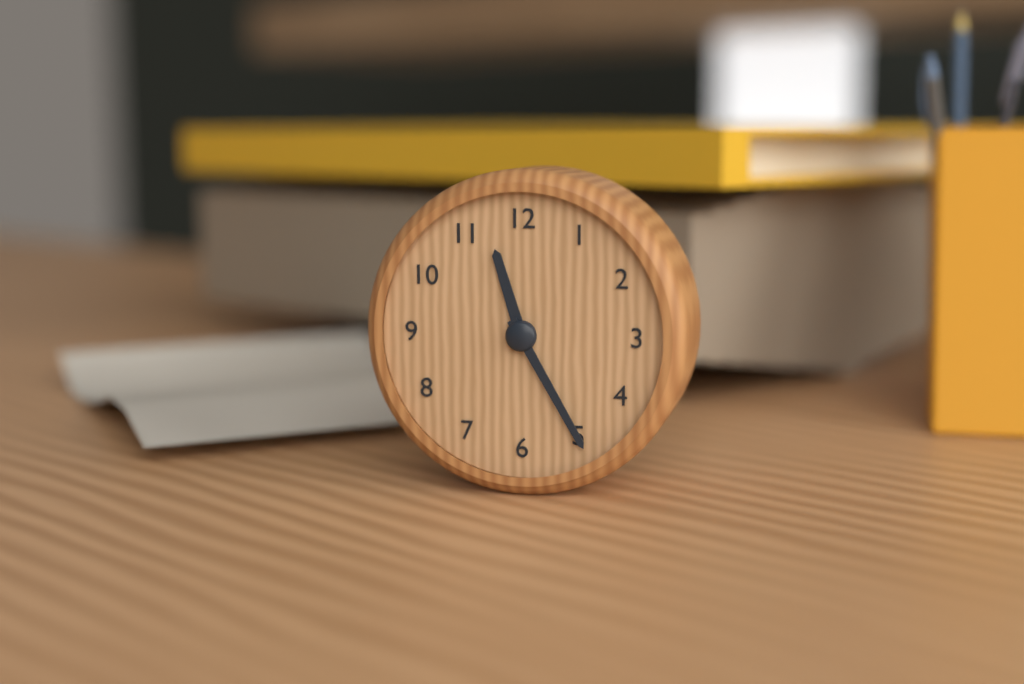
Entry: h=11 m=25
